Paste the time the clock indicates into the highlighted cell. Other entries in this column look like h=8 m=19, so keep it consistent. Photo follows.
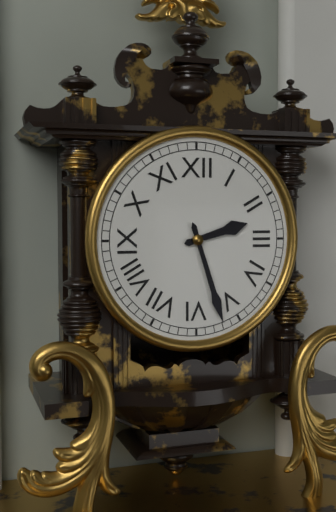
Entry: h=2 m=27
